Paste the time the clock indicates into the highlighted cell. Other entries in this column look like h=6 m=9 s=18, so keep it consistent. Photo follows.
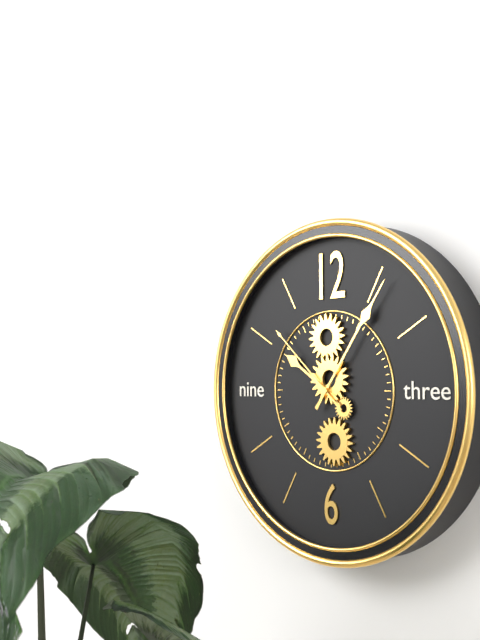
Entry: h=10 m=6 s=52
